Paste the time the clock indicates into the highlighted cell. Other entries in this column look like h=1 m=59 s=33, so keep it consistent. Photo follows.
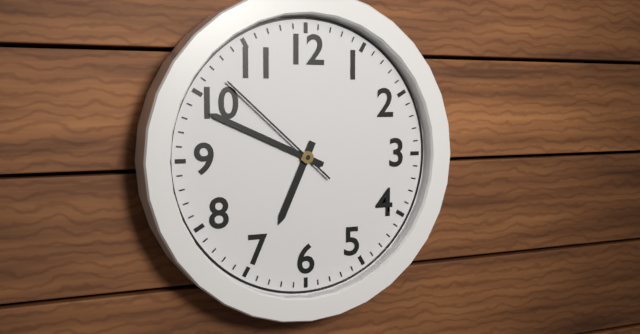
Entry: h=6 m=49 s=52
